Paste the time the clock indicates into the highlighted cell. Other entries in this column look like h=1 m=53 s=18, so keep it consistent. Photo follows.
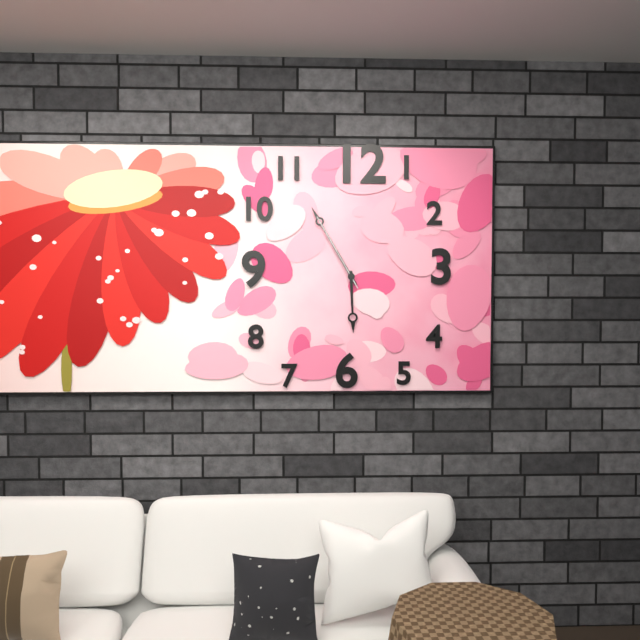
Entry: h=5 m=55 s=55
